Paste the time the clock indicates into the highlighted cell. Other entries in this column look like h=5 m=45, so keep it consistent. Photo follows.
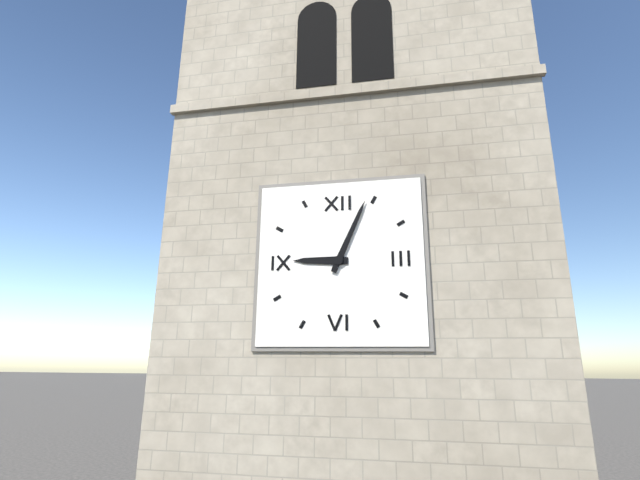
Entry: h=9 m=4
